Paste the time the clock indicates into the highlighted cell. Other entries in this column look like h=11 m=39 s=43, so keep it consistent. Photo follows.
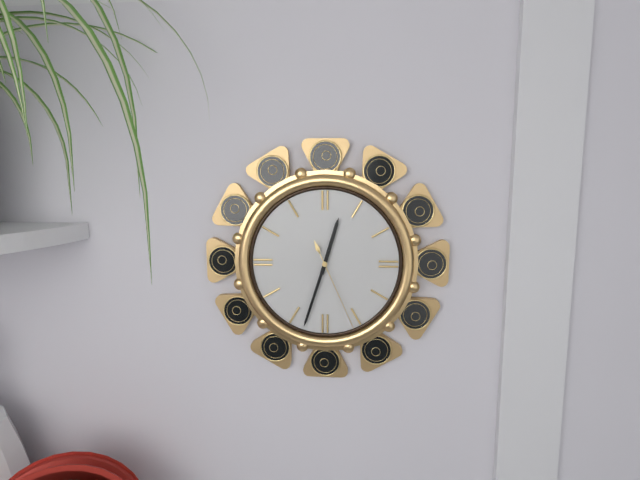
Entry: h=12 m=33 s=26
